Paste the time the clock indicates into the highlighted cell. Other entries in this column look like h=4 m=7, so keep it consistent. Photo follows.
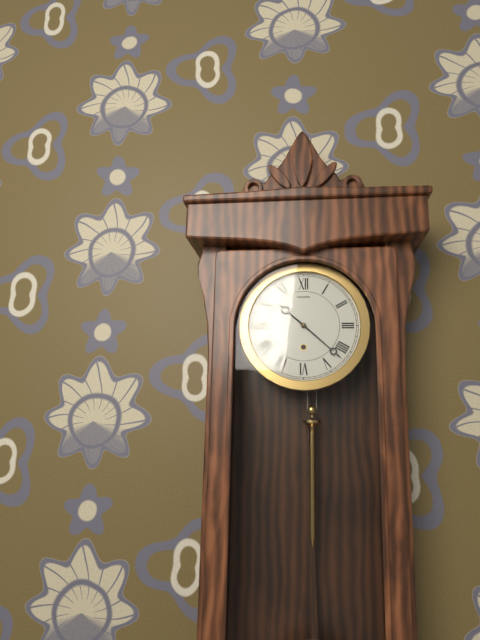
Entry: h=10 m=22
